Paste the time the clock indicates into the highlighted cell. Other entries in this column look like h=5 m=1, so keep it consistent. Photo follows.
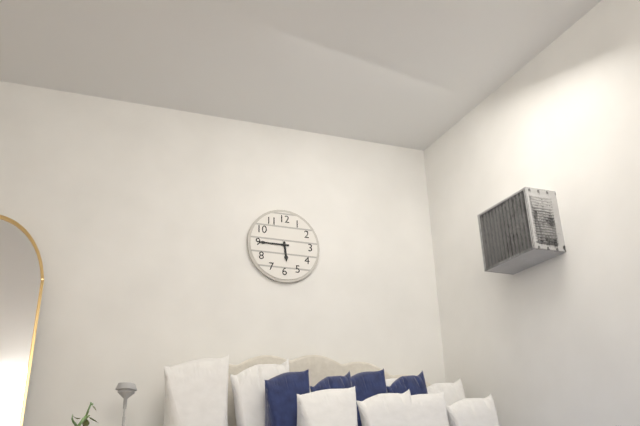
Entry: h=5 m=45
